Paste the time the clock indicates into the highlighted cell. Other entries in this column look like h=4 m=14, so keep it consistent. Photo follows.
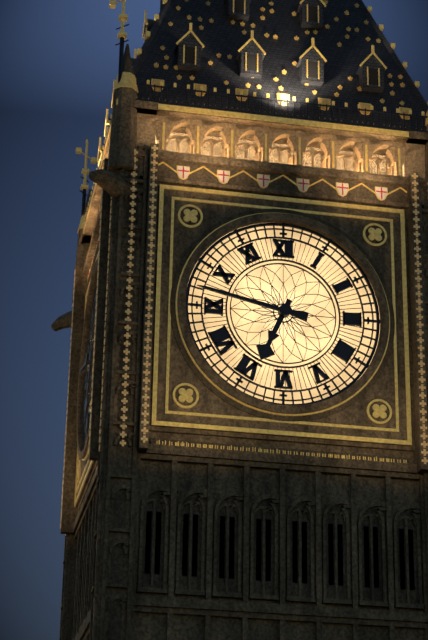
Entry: h=6 m=47
